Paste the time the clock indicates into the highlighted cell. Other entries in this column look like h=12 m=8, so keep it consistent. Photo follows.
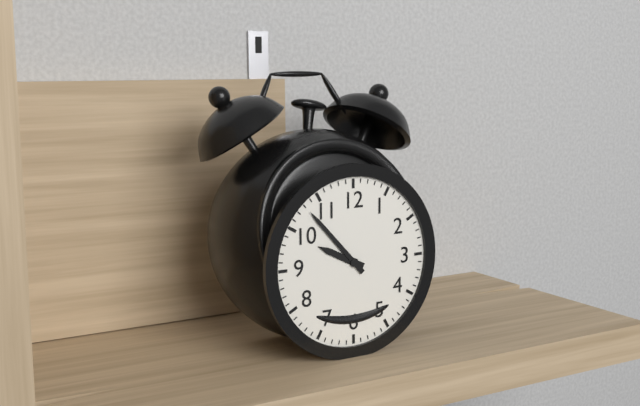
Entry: h=9 m=53
